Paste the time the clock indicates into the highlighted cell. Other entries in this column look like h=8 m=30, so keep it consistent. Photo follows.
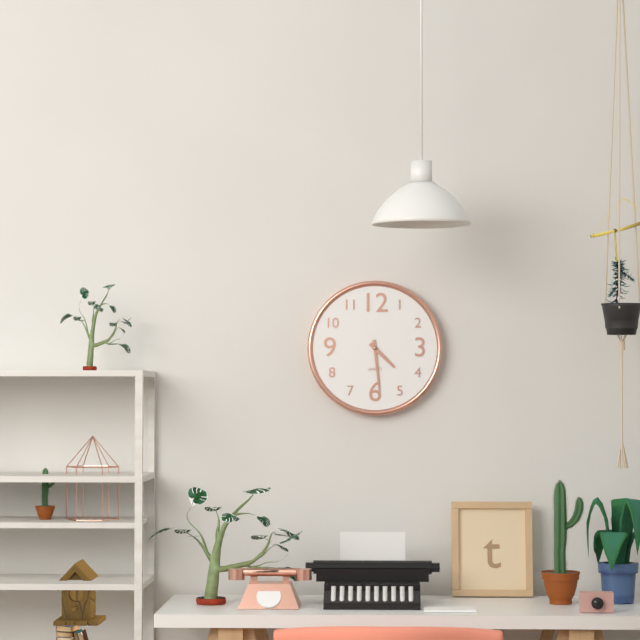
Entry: h=4 m=29
